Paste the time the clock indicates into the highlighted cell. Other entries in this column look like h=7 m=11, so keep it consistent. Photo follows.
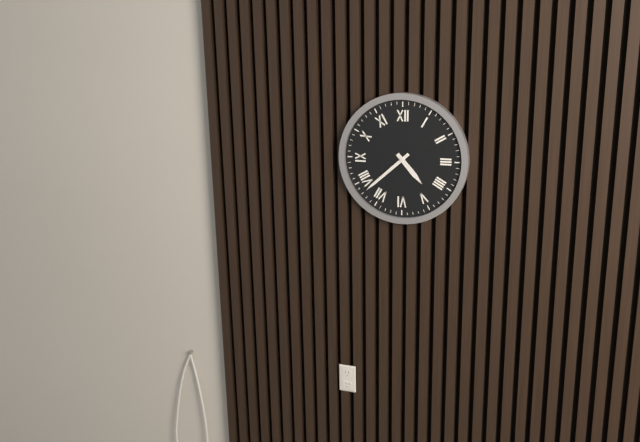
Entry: h=4 m=38
